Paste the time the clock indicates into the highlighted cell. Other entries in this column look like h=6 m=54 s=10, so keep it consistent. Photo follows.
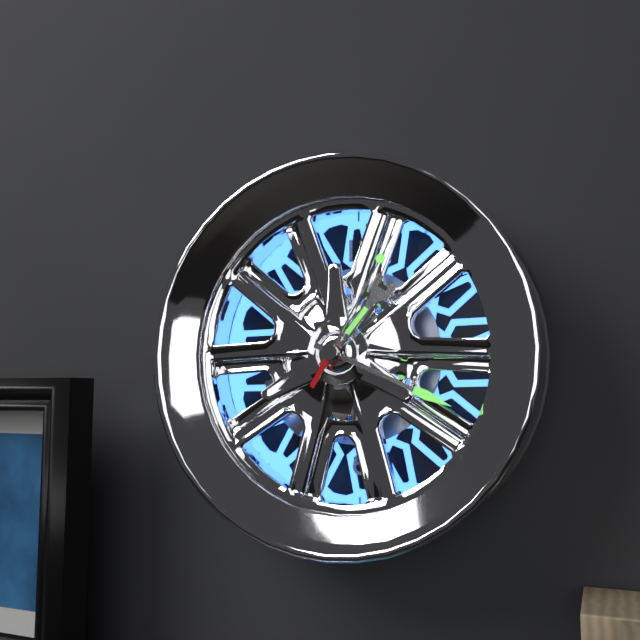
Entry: h=1 m=19 s=5
